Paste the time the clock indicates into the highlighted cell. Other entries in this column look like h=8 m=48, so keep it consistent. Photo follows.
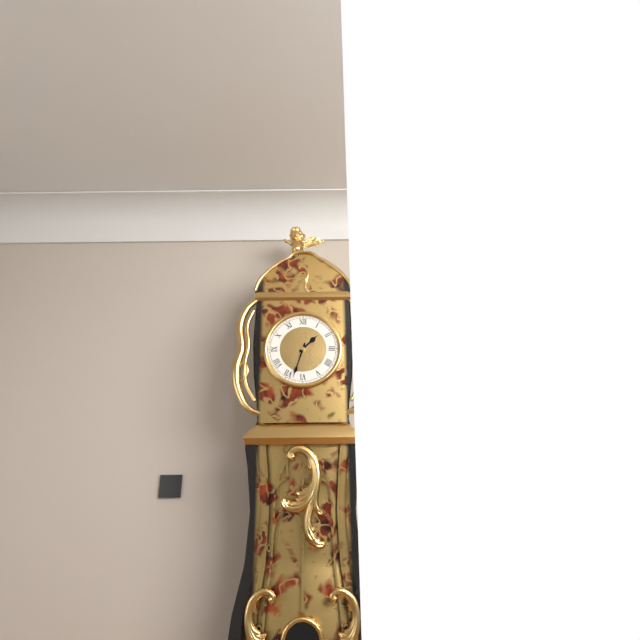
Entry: h=1 m=33
